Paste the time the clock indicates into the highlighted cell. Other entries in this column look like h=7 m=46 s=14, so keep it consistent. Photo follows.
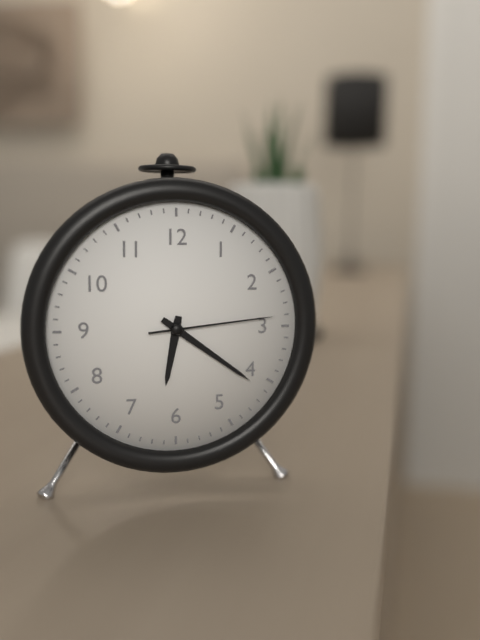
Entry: h=6 m=21 s=14
